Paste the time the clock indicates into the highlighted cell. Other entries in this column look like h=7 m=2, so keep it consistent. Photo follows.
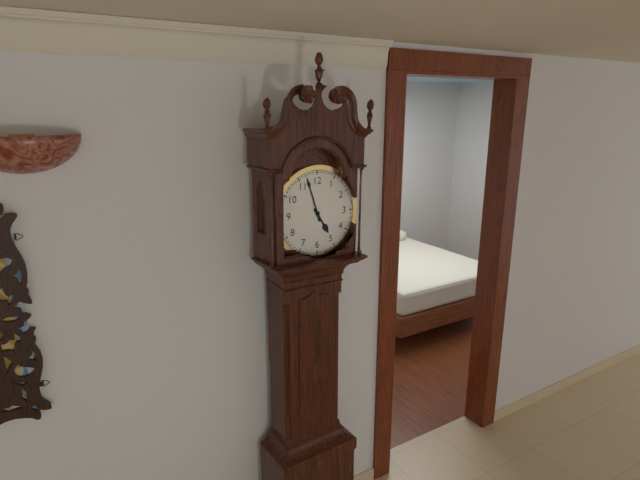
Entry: h=4 m=57
